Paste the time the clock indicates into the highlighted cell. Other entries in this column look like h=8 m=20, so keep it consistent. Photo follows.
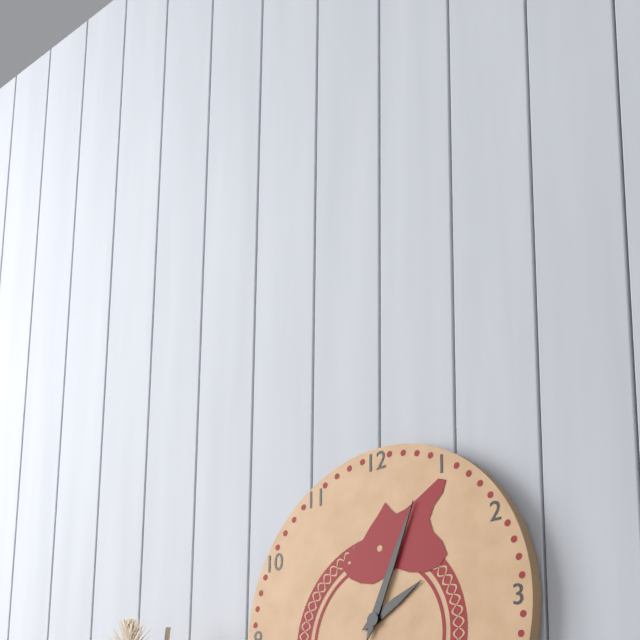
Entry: h=2 m=4
